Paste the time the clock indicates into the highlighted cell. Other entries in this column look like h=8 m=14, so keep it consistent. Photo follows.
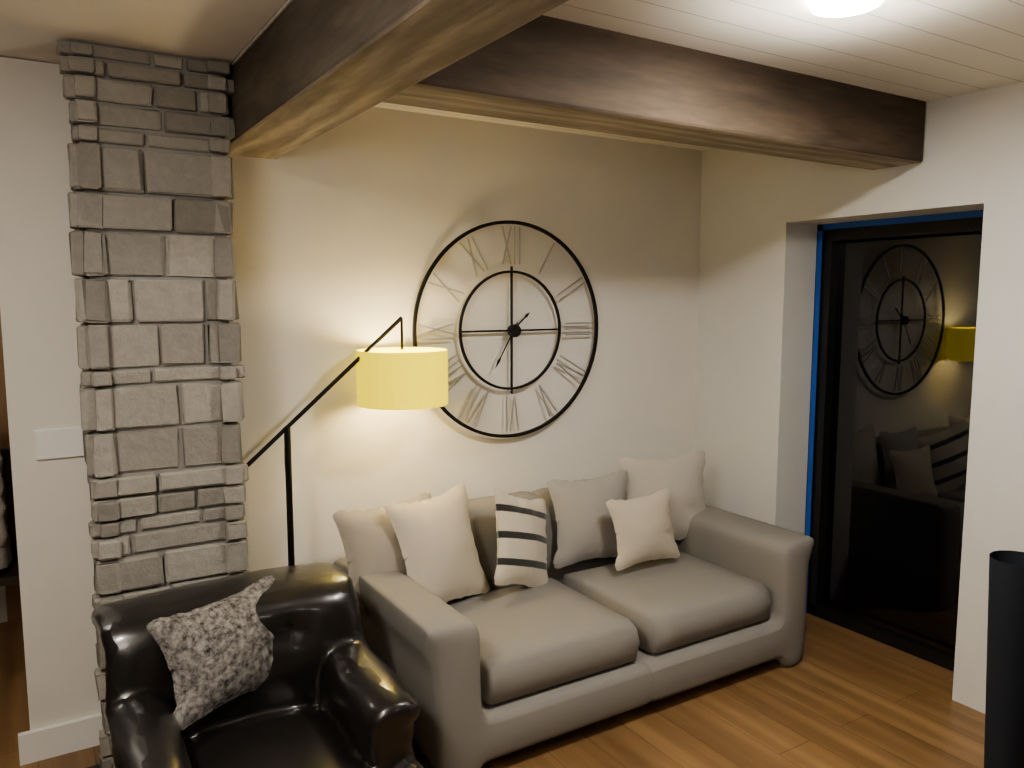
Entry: h=1 m=35
